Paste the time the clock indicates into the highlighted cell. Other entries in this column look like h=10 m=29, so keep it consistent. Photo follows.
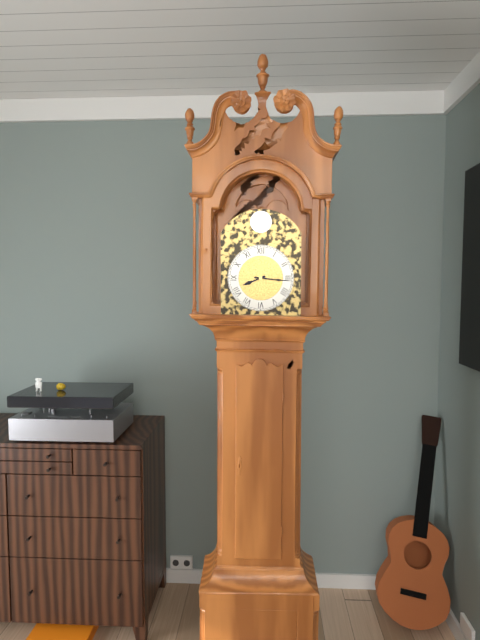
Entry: h=8 m=16
